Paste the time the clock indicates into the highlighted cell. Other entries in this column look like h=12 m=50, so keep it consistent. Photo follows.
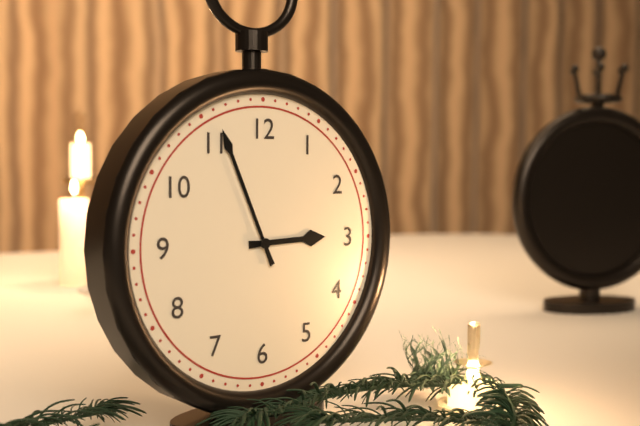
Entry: h=2 m=56
